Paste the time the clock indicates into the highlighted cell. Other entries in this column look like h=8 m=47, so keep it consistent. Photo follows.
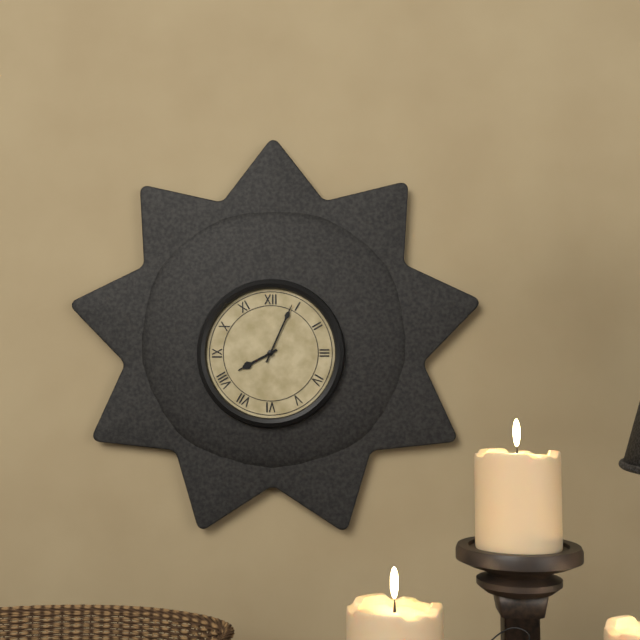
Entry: h=8 m=4
